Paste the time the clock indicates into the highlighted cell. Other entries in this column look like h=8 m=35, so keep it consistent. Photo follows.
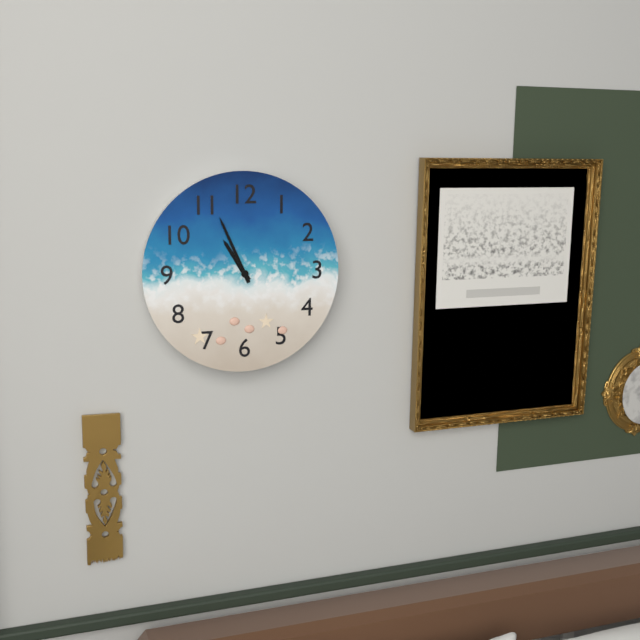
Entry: h=10 m=56
